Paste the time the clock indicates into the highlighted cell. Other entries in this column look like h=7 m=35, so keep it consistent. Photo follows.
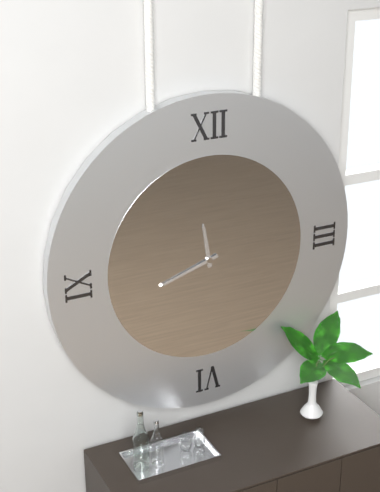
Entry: h=11 m=42
